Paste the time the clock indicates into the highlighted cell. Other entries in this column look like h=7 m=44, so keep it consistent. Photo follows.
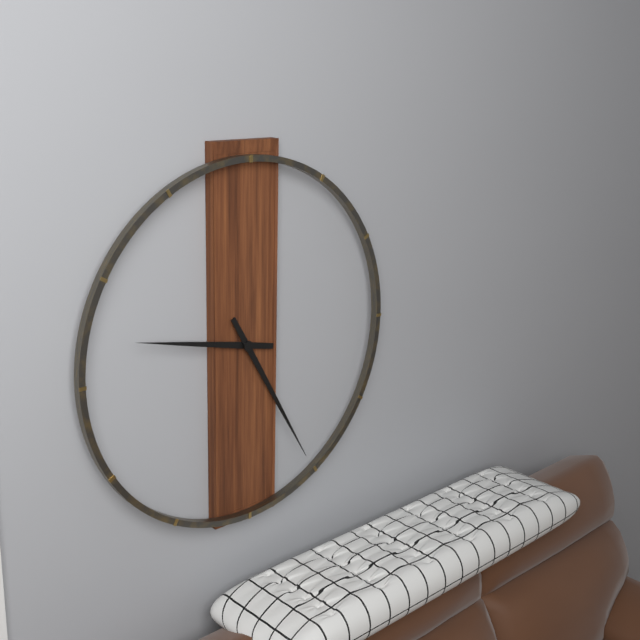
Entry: h=9 m=25
